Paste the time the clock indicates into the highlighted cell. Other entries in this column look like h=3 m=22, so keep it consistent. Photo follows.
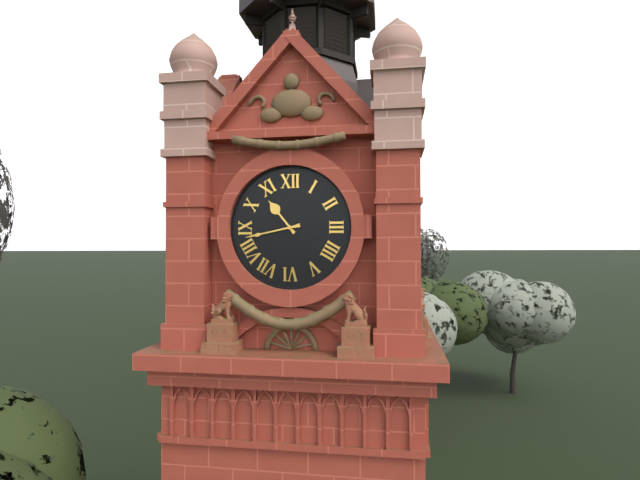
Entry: h=10 m=43
